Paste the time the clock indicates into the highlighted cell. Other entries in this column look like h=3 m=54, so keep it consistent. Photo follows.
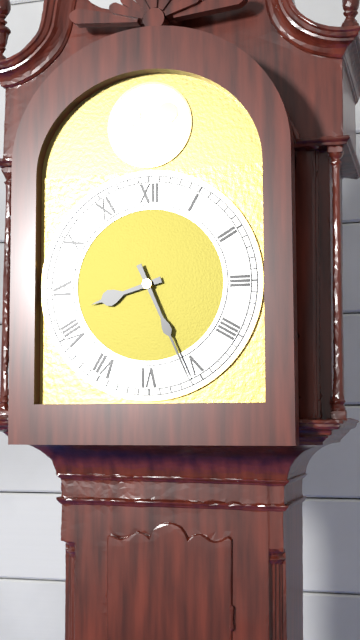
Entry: h=8 m=26
